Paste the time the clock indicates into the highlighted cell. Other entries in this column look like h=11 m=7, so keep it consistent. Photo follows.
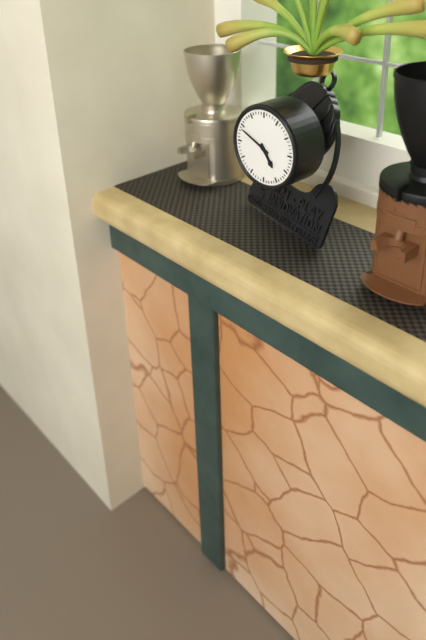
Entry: h=4 m=49
